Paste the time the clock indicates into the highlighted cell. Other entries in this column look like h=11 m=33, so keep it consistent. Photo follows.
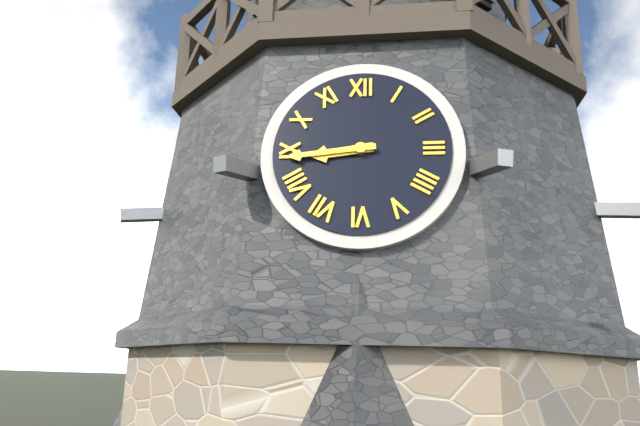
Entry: h=8 m=44
